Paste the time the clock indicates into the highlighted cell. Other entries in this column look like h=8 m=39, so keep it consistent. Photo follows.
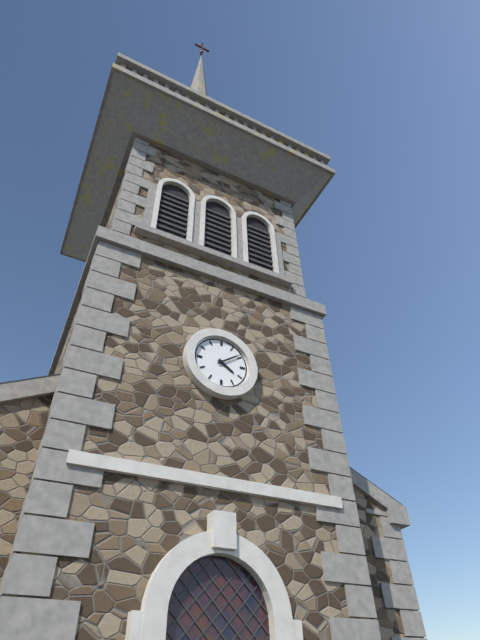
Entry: h=4 m=9
